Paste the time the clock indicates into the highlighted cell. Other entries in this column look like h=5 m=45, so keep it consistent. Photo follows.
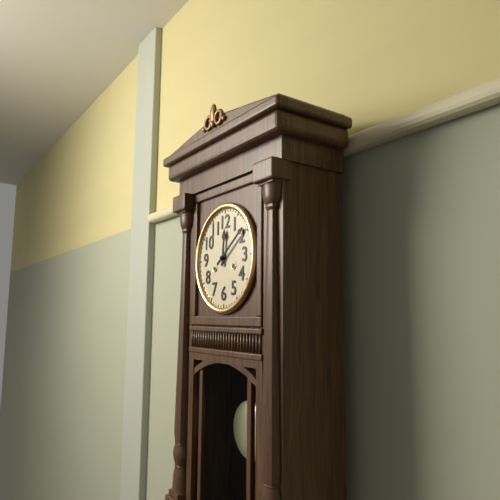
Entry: h=12 m=9
